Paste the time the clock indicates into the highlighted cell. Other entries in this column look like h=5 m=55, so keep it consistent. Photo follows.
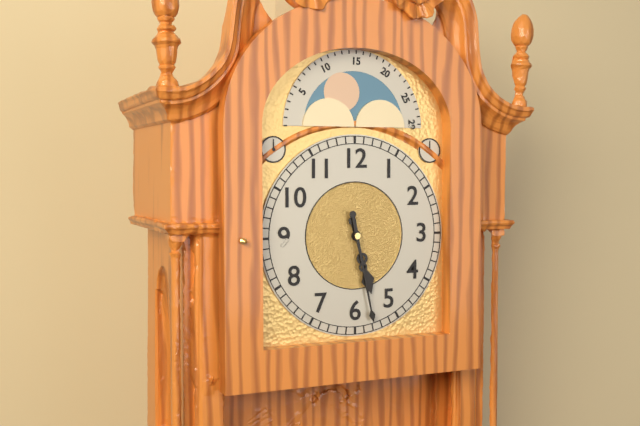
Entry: h=5 m=28
